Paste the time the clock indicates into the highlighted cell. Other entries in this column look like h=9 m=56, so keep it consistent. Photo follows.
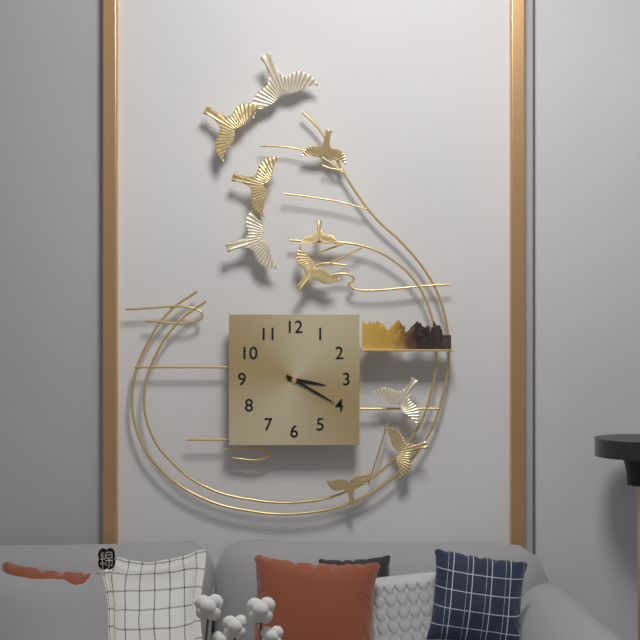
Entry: h=3 m=20
